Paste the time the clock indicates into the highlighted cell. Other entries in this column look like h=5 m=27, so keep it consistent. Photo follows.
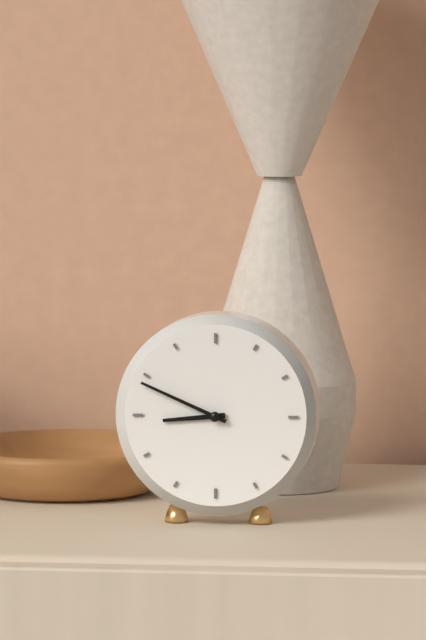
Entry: h=8 m=49
